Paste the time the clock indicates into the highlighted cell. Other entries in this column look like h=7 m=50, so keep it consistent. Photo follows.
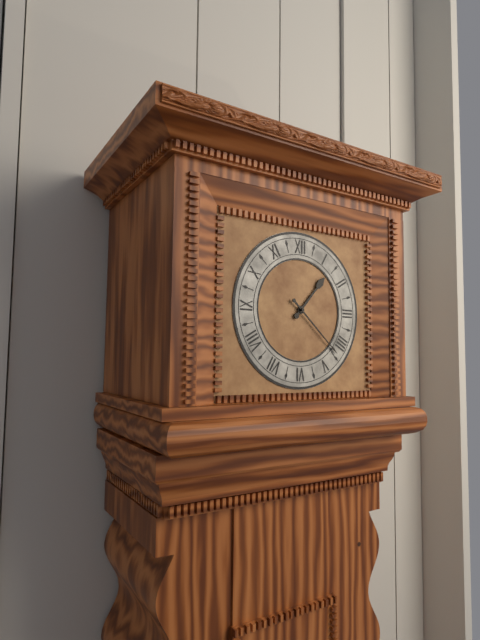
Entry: h=1 m=22
